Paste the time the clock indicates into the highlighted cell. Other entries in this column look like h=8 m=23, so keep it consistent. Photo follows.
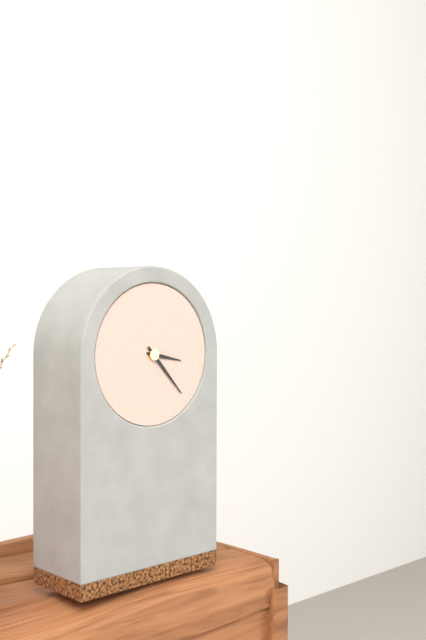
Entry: h=3 m=23
